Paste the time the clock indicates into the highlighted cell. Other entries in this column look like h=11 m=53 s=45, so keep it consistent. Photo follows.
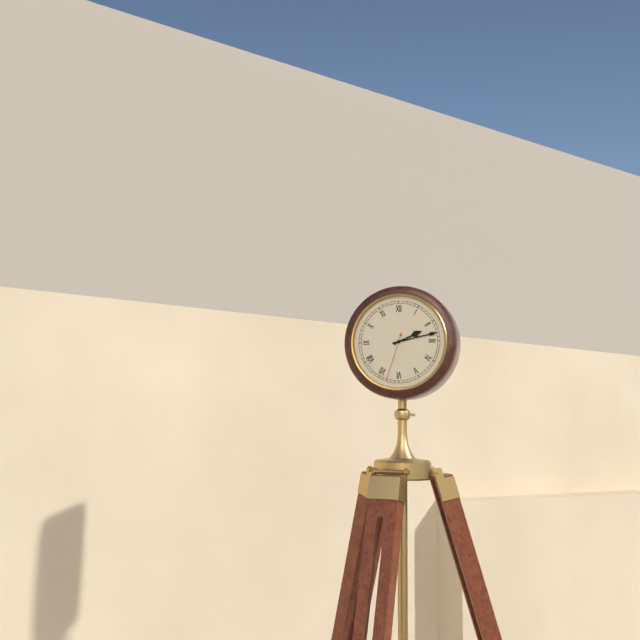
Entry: h=2 m=13 s=33
